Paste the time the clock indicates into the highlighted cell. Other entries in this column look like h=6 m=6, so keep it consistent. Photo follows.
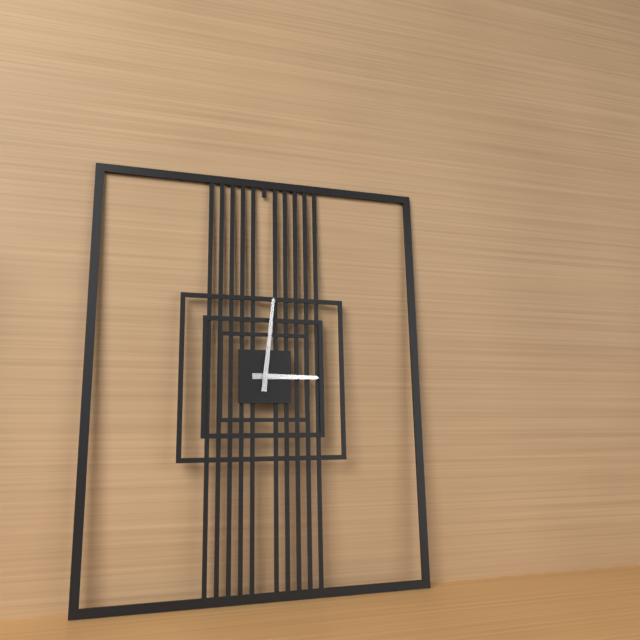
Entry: h=3 m=1
